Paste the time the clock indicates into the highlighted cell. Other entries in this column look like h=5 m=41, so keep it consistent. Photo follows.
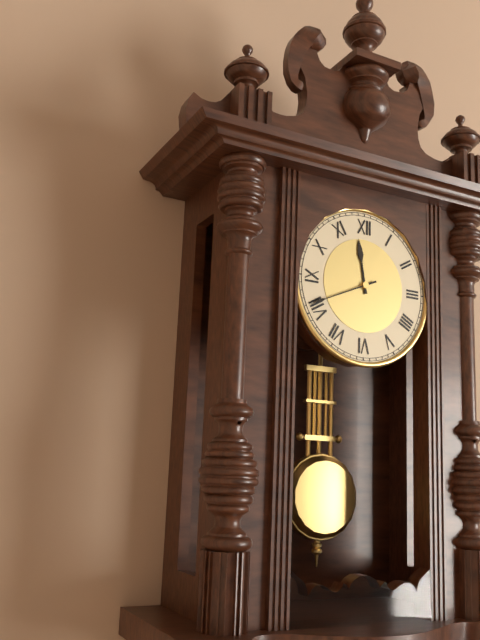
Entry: h=11 m=41
